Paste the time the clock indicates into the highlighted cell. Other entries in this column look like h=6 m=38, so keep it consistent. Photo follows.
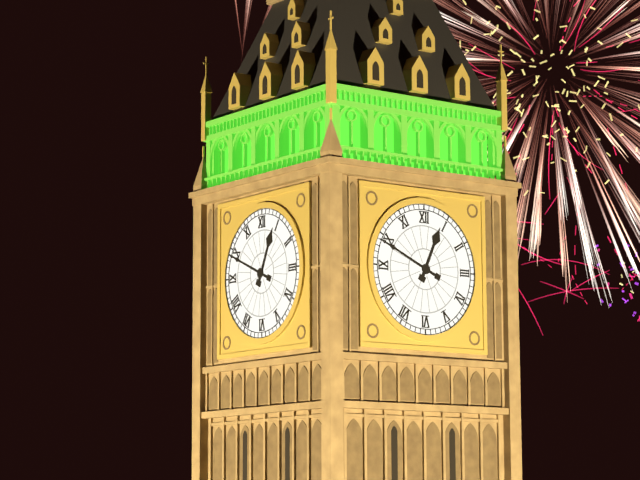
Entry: h=12 m=49
